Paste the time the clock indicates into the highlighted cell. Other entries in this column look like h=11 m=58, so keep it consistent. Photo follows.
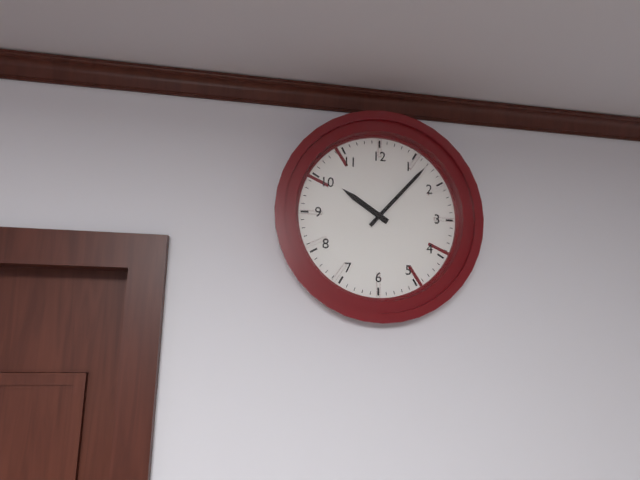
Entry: h=10 m=7
